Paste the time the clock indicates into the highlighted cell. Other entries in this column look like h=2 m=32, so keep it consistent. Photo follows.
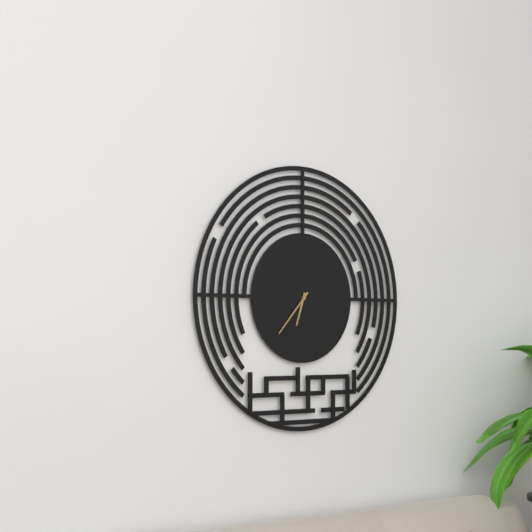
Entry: h=6 m=37
